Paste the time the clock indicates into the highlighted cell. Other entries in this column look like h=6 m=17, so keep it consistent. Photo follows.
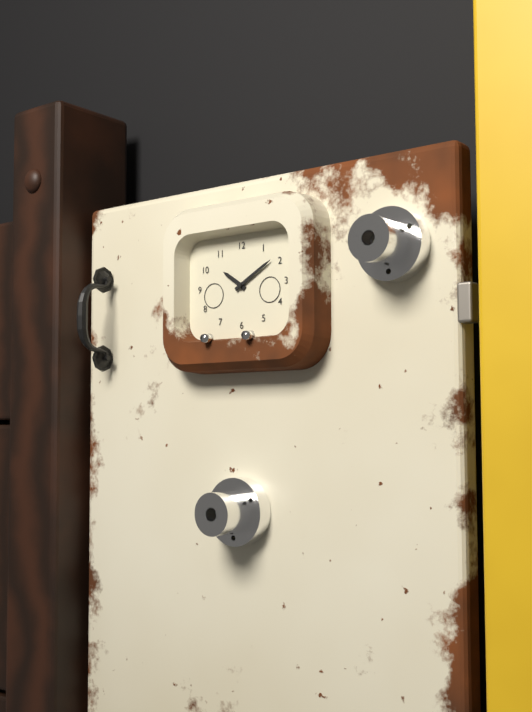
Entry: h=10 m=10
